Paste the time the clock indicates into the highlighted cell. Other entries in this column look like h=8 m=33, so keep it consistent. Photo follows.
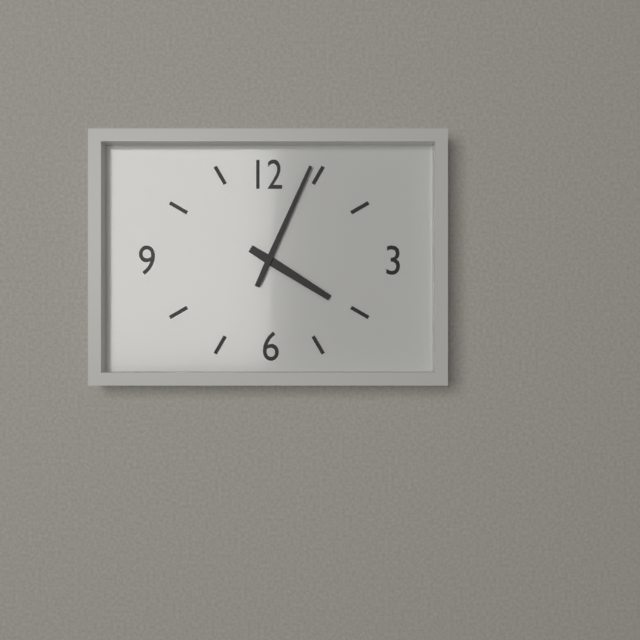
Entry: h=4 m=4
